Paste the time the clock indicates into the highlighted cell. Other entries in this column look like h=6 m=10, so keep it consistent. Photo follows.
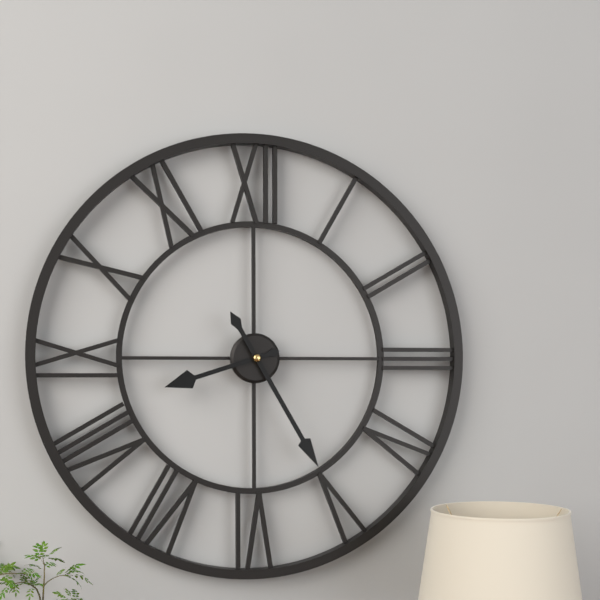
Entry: h=8 m=25
